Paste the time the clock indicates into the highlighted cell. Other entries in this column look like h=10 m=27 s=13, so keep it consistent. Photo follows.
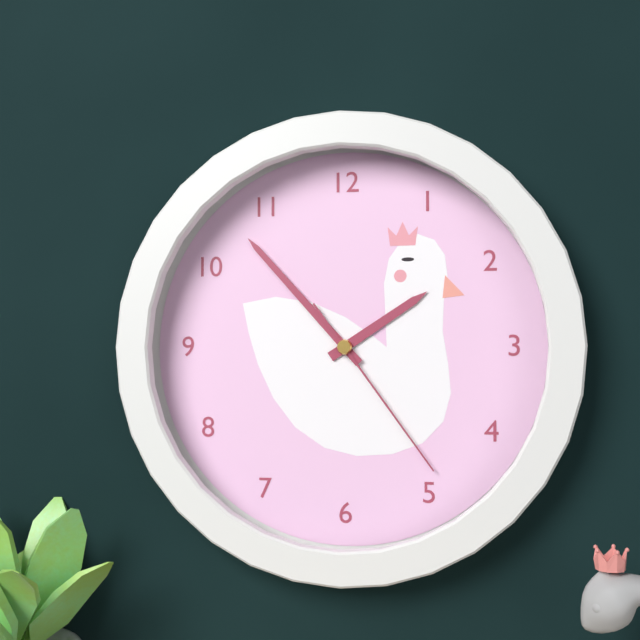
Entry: h=1 m=53 s=24
